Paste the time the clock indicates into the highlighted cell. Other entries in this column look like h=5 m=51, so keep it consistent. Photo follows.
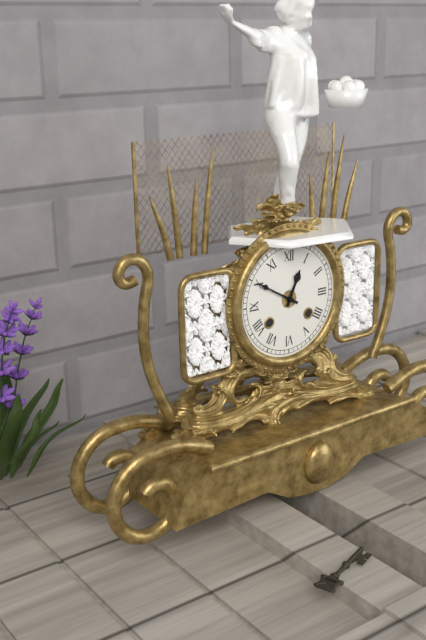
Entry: h=12 m=50
